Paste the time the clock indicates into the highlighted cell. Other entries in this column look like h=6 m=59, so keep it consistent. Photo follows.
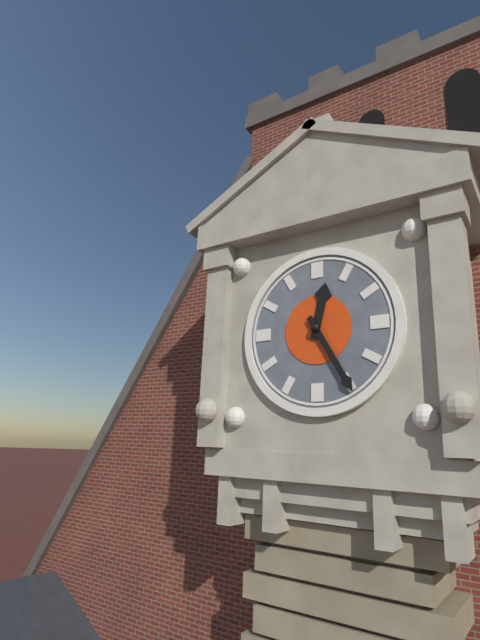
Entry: h=12 m=25
